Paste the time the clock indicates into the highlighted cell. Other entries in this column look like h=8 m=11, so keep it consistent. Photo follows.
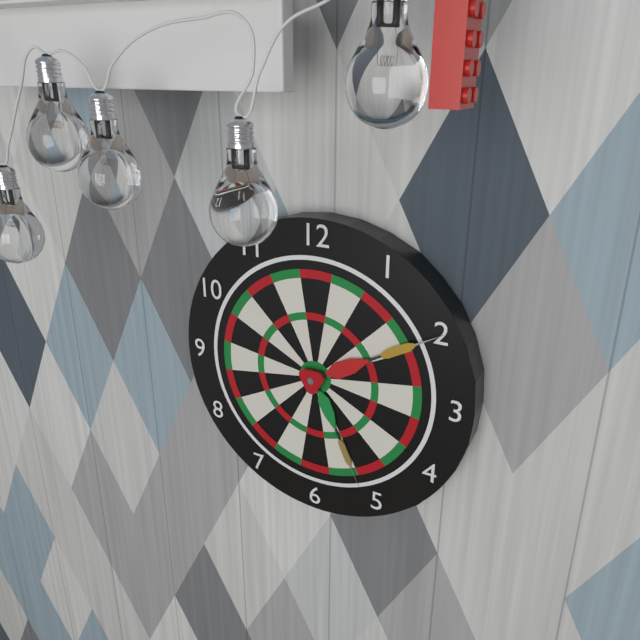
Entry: h=5 m=10
